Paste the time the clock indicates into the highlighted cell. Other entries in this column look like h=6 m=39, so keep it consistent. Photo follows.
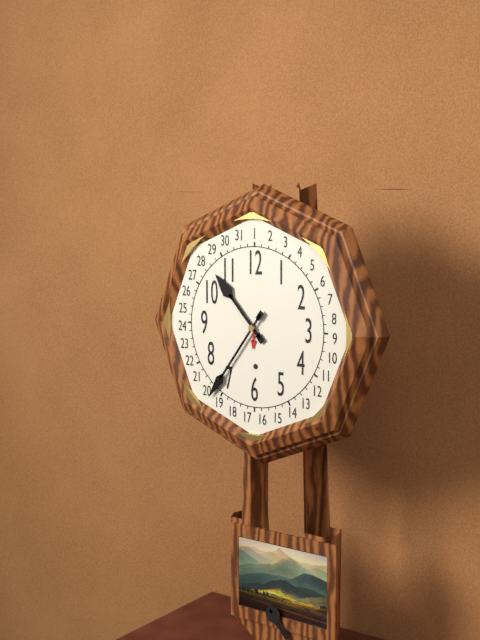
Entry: h=10 m=36
